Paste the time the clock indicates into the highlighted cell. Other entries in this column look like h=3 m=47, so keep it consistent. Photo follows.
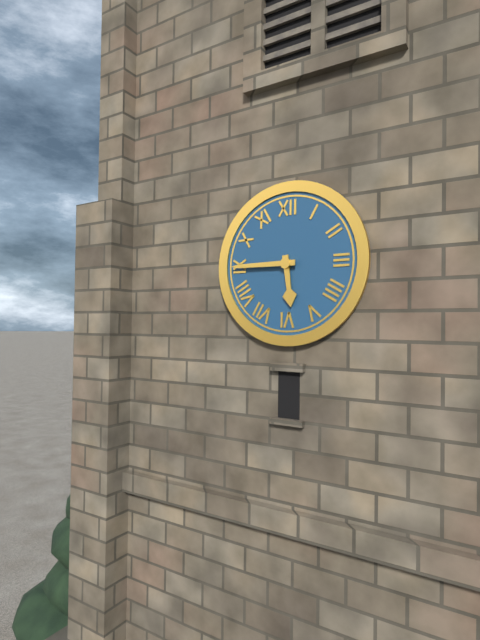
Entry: h=5 m=45
